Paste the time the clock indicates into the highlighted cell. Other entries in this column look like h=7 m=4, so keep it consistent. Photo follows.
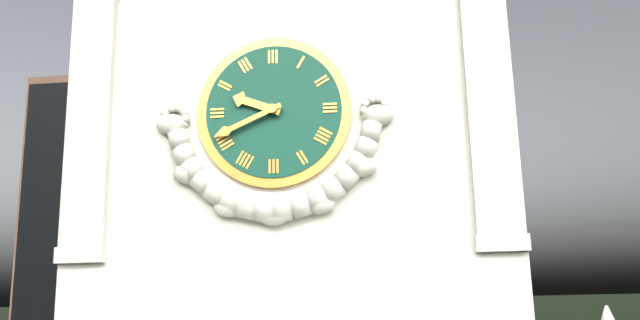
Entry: h=9 m=41
